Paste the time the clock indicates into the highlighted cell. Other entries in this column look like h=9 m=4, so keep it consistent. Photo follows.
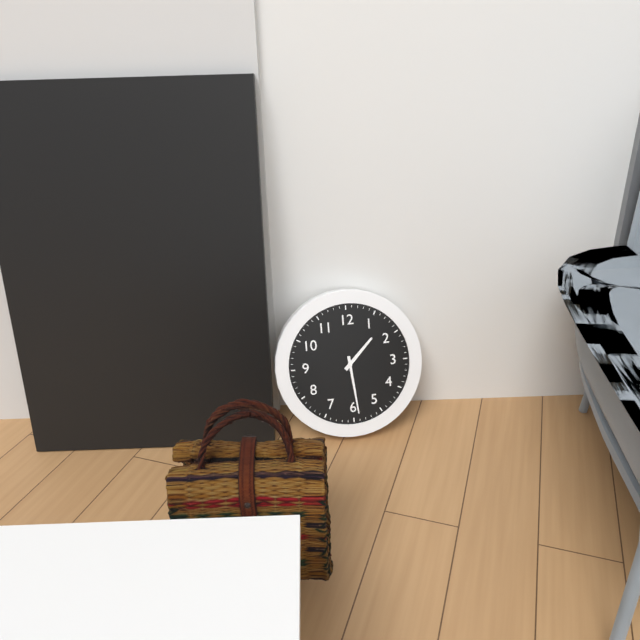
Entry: h=1 m=29
